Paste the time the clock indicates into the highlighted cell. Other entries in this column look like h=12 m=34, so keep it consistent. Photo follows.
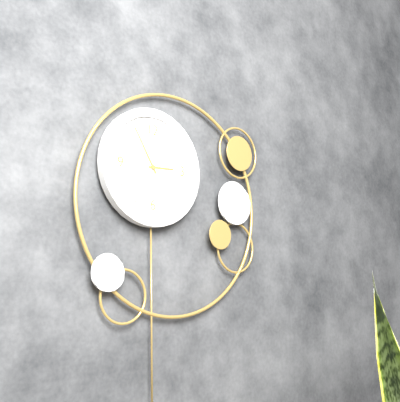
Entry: h=2 m=55
